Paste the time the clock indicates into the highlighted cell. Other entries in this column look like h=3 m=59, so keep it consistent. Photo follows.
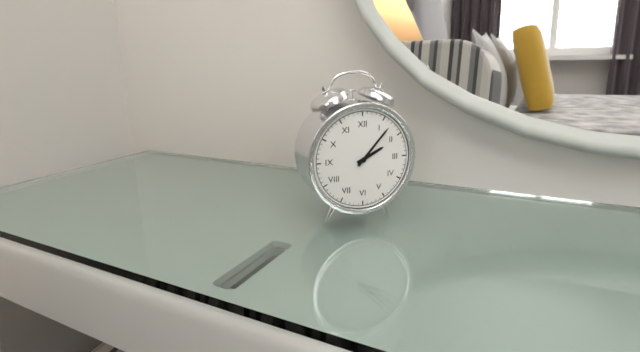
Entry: h=2 m=7
